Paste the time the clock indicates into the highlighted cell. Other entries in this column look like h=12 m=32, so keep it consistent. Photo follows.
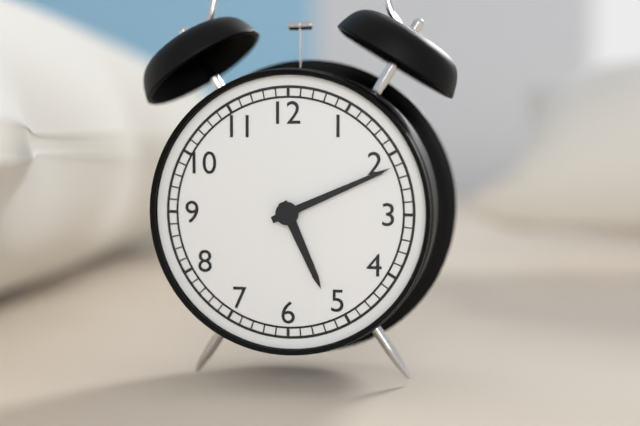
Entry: h=5 m=11
